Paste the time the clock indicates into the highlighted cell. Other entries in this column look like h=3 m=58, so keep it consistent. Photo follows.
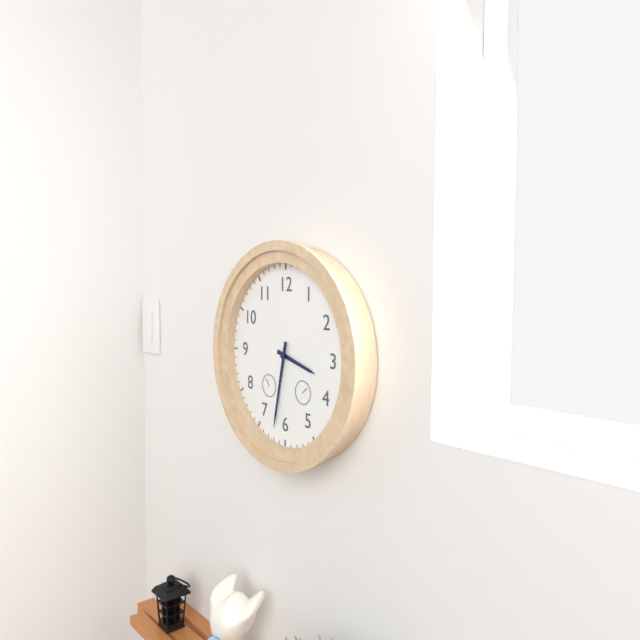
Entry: h=3 m=32
